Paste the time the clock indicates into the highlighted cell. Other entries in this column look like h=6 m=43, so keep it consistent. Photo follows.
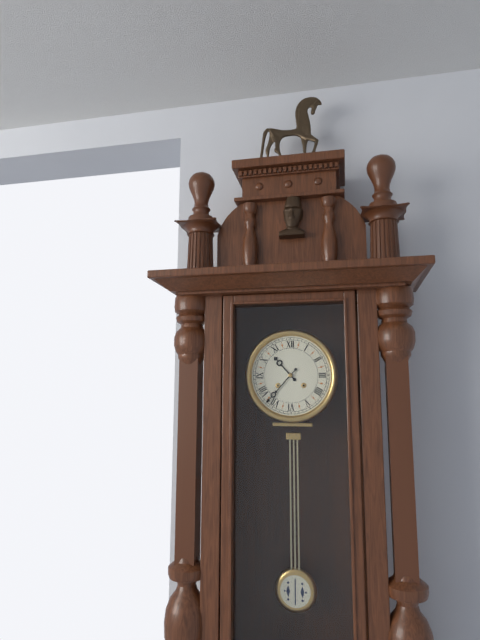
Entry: h=10 m=37
